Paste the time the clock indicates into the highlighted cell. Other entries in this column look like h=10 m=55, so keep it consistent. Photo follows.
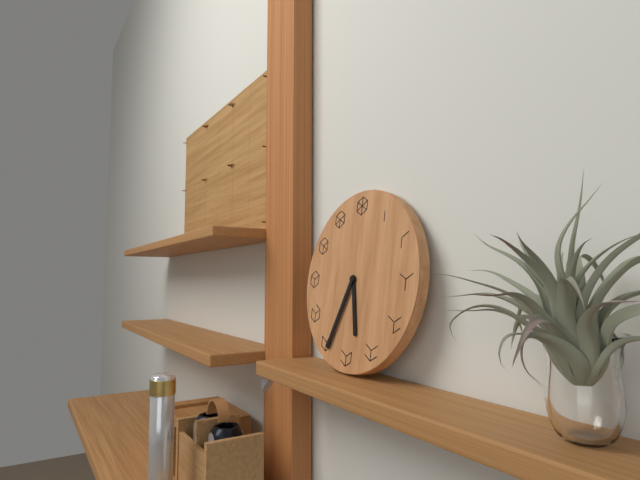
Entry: h=5 m=34
